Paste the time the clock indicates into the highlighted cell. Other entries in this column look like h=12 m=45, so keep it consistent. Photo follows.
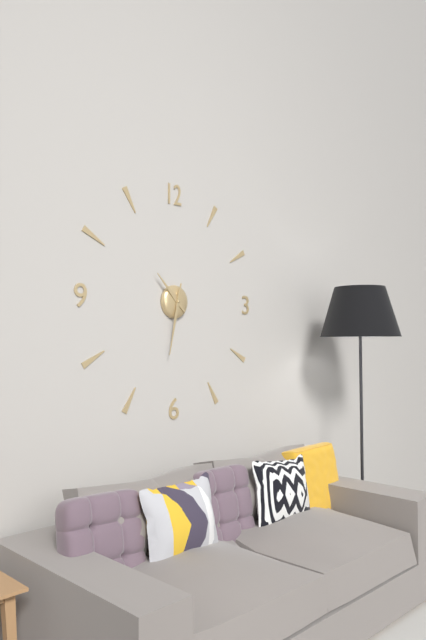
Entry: h=10 m=32
